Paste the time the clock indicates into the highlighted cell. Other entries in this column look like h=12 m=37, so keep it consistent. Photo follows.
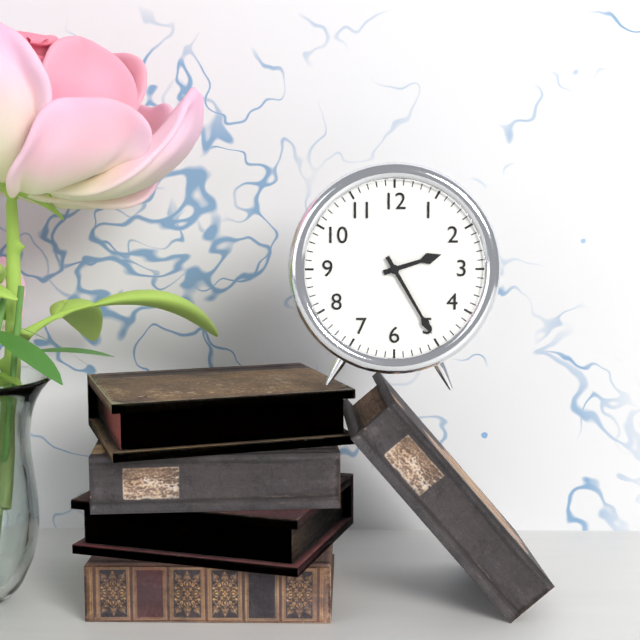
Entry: h=2 m=25
